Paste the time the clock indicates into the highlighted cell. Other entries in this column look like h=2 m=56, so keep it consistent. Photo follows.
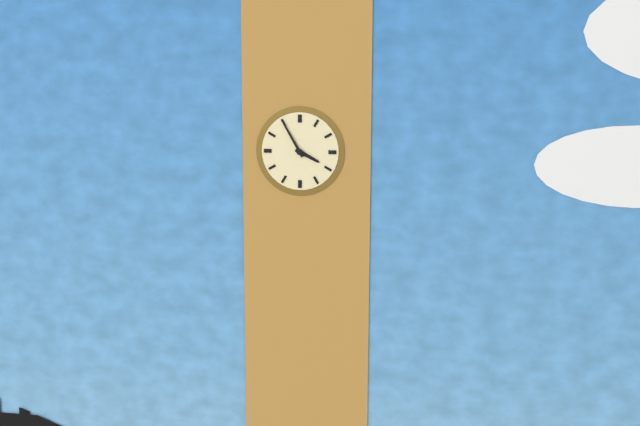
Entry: h=3 m=55
